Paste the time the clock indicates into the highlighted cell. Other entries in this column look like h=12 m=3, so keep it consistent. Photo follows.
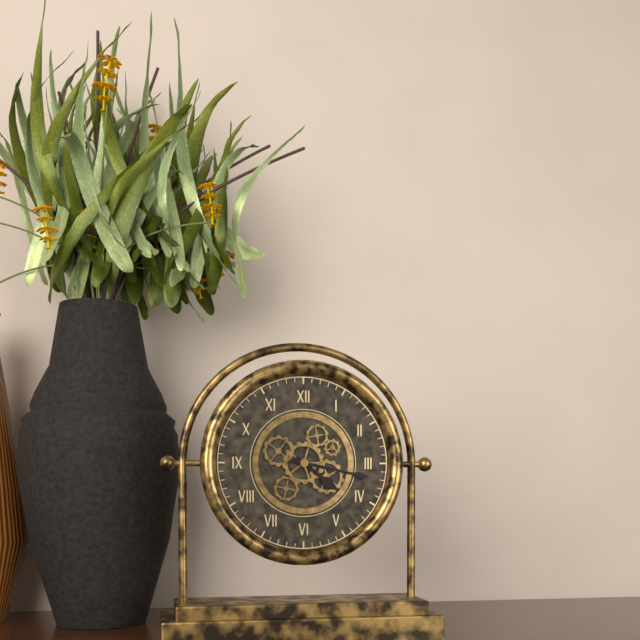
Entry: h=4 m=17
